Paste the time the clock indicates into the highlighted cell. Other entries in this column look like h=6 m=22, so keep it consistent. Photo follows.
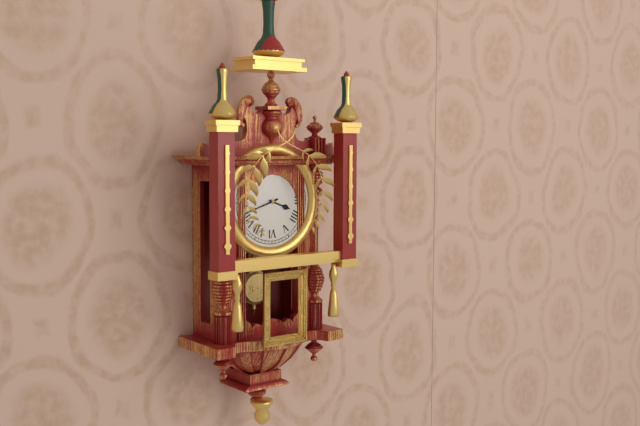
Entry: h=3 m=42
